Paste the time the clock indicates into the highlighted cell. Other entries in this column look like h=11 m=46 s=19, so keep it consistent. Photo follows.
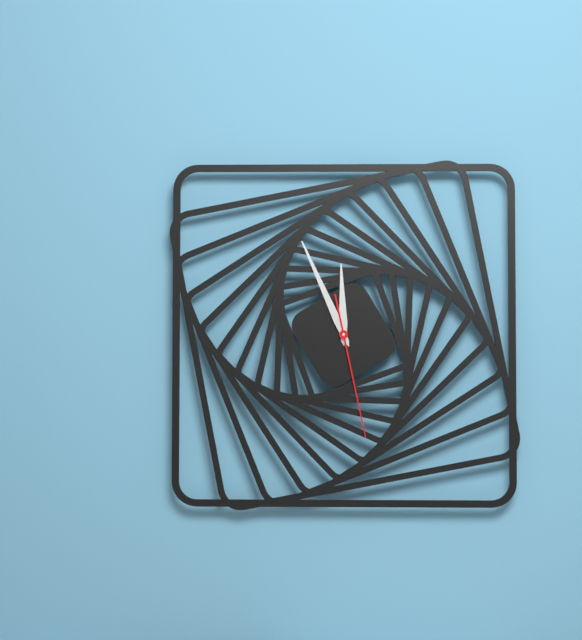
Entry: h=11 m=56 s=28
